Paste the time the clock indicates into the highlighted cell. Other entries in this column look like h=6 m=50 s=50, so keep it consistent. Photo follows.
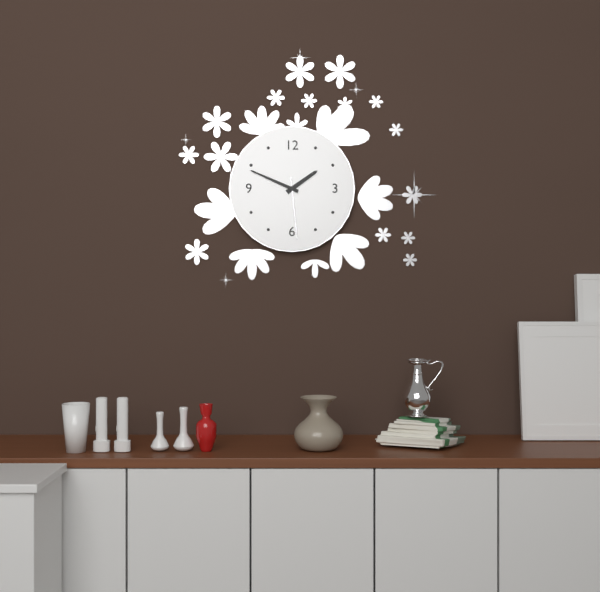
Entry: h=1 m=49 s=29
